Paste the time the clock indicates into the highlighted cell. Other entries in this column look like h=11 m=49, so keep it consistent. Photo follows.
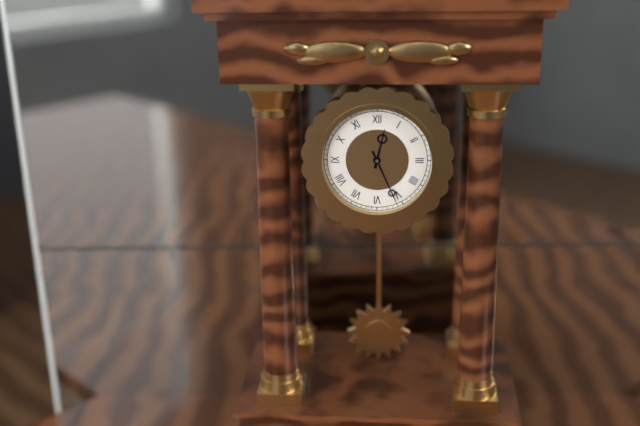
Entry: h=12 m=26
